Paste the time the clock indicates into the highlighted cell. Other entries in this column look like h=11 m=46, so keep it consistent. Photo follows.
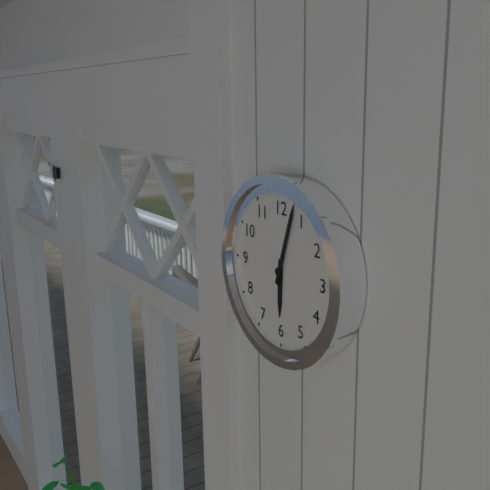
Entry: h=6 m=3
